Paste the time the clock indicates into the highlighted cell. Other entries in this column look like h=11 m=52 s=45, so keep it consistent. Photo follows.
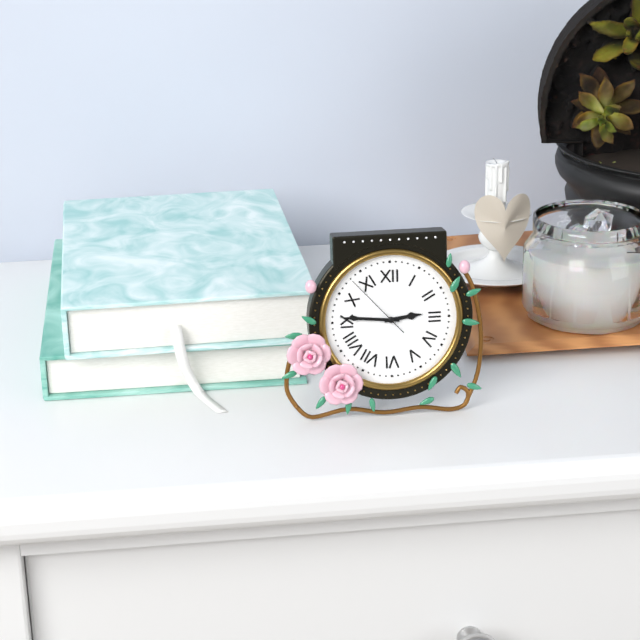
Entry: h=2 m=46 s=53
